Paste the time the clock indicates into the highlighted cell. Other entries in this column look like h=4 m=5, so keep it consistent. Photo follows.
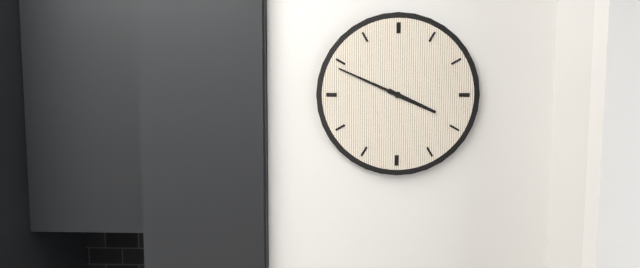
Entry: h=3 m=49
